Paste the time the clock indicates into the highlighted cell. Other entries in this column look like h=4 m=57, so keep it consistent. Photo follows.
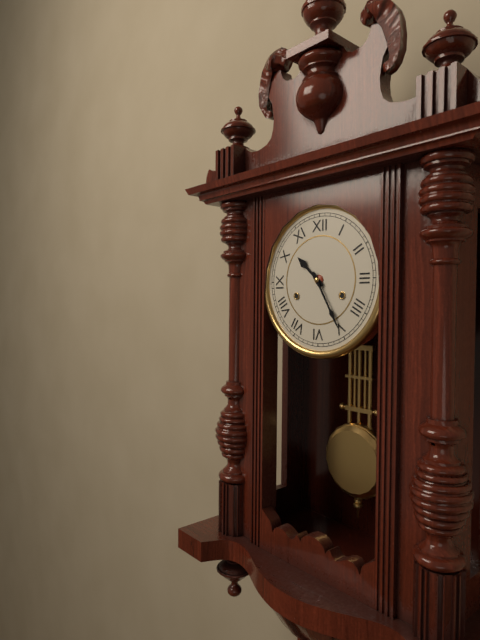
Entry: h=10 m=25
